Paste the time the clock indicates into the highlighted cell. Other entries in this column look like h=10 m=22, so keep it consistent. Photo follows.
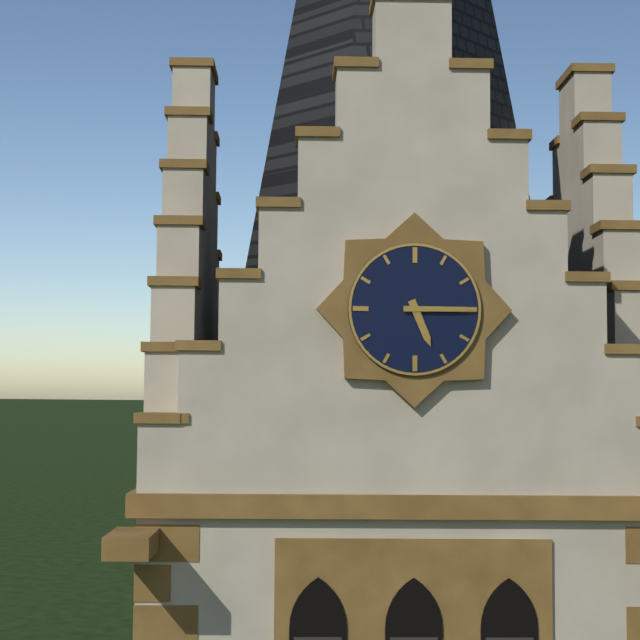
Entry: h=5 m=15
